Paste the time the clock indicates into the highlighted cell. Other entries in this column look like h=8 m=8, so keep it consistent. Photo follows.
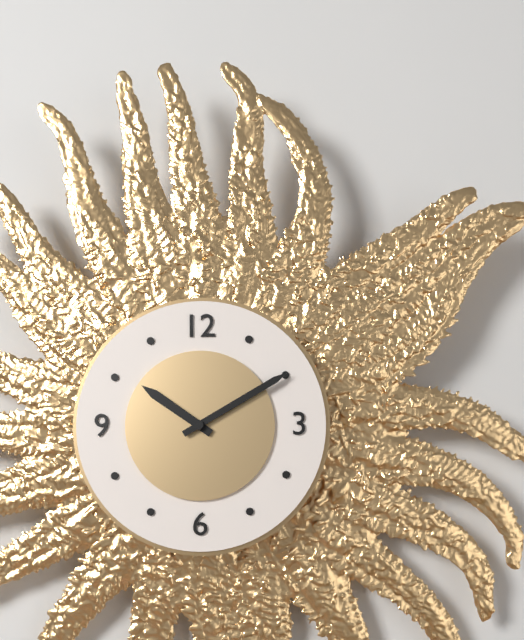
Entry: h=10 m=10
